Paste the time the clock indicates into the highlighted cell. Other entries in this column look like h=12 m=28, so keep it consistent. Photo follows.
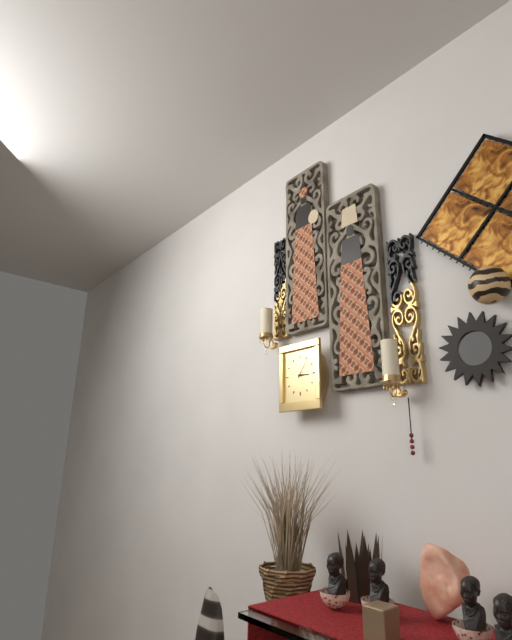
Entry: h=3 m=6
